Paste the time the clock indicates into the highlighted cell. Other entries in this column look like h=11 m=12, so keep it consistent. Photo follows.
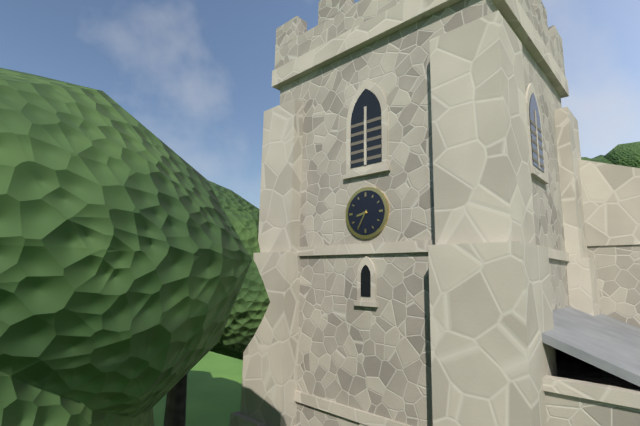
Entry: h=8 m=35
